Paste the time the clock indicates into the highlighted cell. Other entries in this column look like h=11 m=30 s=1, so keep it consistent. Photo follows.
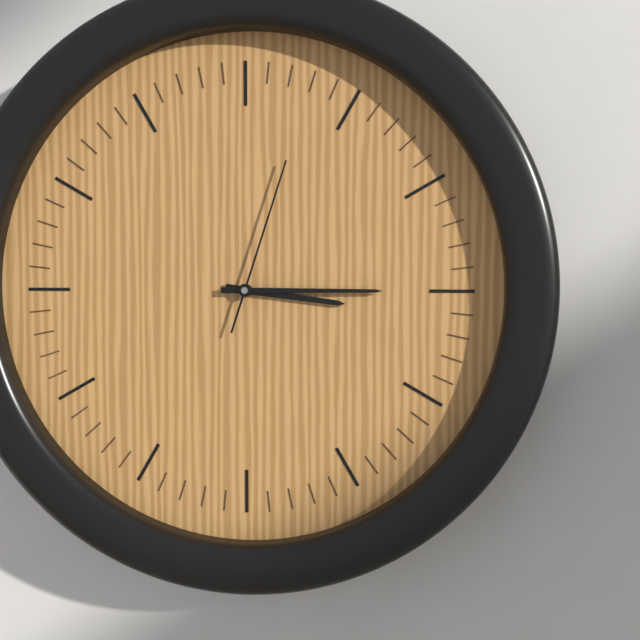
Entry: h=3 m=15 s=3
